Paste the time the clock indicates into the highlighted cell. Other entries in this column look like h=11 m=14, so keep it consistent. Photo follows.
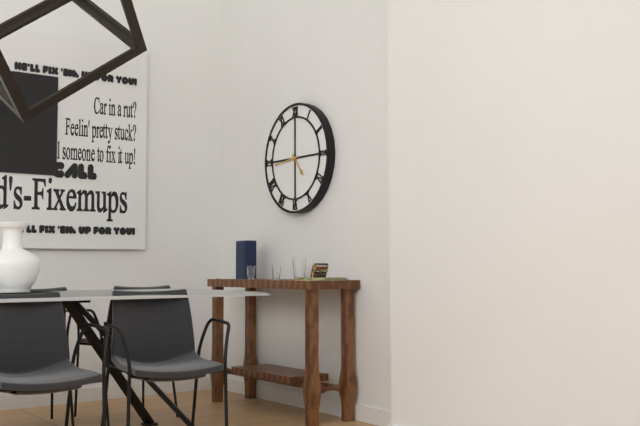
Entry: h=4 m=44
